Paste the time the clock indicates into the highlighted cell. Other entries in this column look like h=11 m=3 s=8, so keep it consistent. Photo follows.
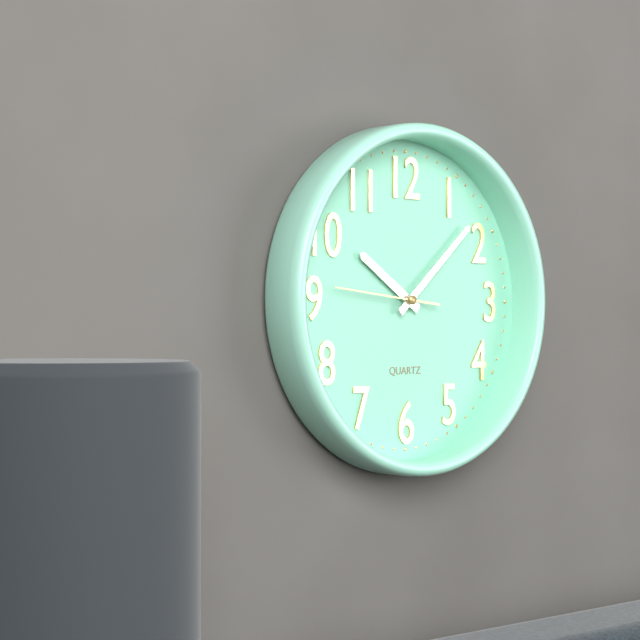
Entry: h=10 m=8 s=46
